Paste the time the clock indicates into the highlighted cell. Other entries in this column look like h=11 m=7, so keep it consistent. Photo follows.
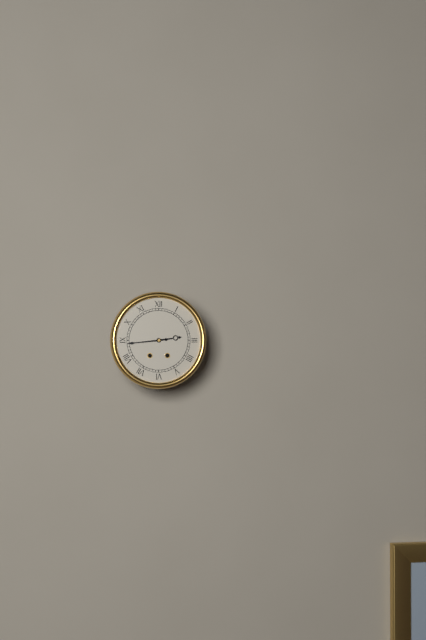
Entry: h=2 m=44
